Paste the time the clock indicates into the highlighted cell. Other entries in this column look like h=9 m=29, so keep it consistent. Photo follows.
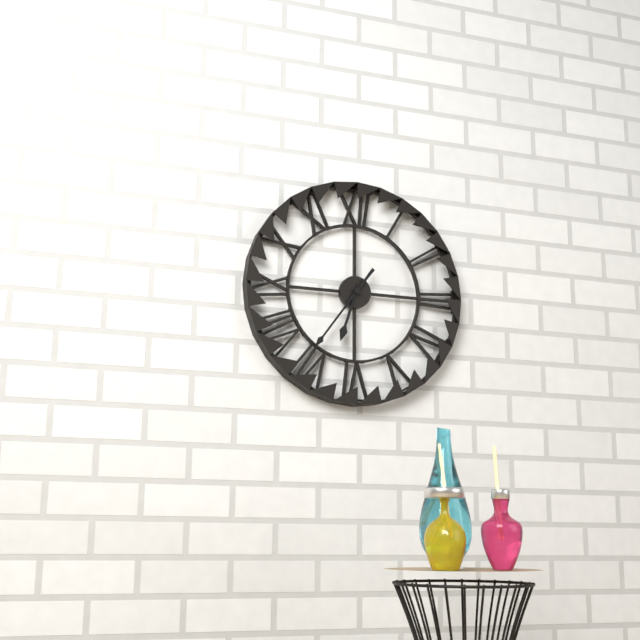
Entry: h=6 m=36
